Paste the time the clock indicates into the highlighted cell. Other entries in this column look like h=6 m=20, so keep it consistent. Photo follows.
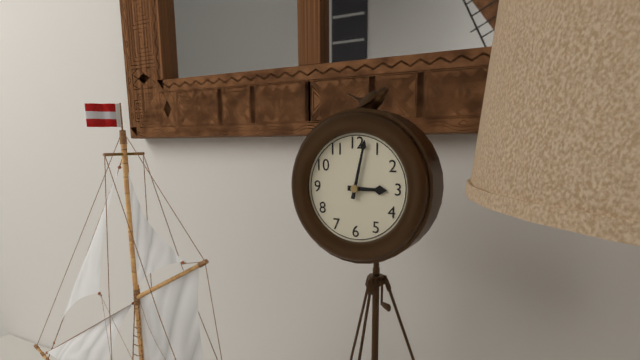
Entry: h=3 m=2
